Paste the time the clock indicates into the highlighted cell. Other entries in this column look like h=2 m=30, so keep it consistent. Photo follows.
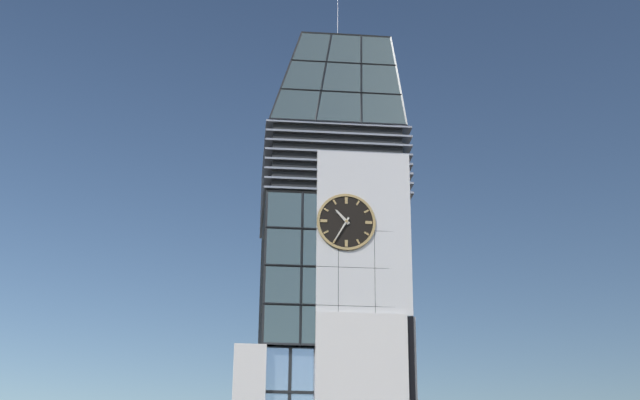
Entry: h=10 m=35
